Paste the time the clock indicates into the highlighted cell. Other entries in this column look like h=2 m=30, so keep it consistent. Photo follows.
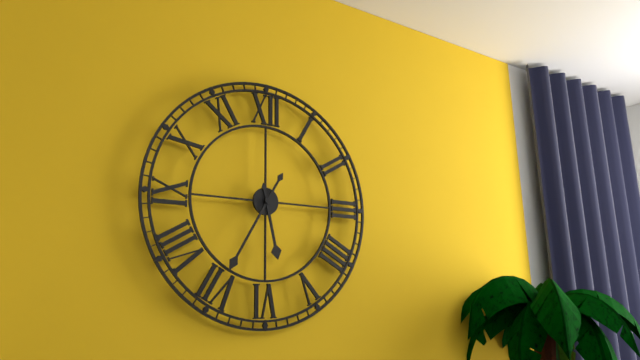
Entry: h=5 m=35
